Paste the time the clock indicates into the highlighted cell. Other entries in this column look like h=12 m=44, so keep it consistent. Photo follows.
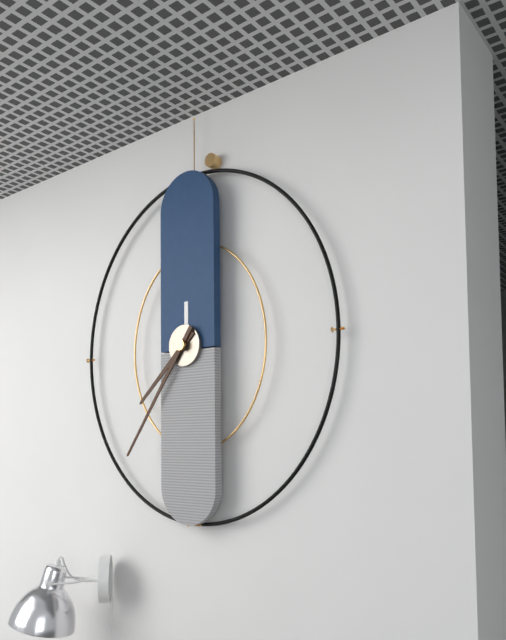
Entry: h=7 m=36
